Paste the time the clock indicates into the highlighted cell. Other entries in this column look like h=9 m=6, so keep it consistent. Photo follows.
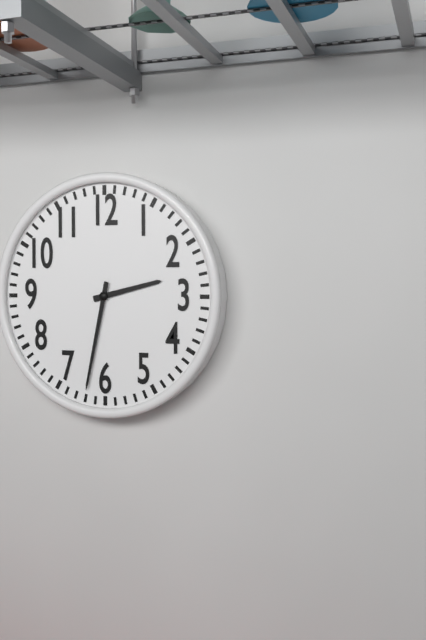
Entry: h=2 m=32
